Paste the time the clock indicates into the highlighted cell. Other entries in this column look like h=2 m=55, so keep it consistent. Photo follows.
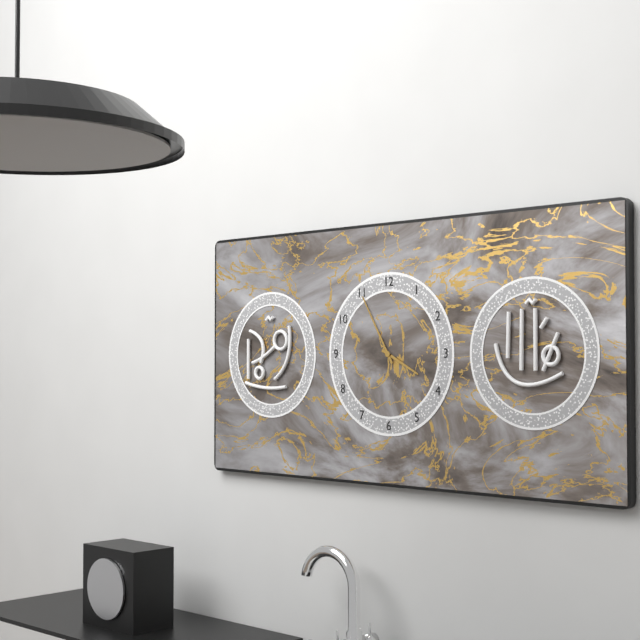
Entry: h=3 m=55
